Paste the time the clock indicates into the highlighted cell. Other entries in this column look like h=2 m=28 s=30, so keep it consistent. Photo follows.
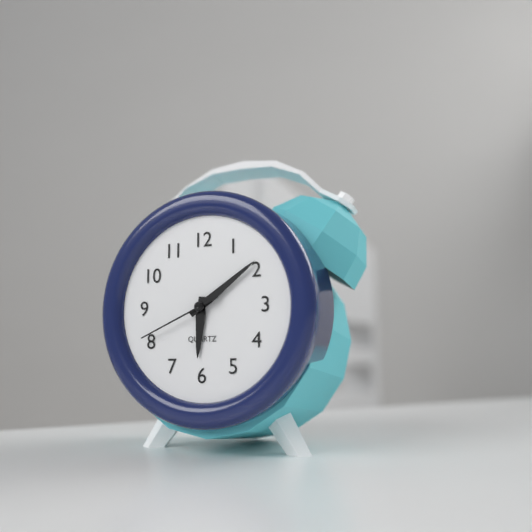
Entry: h=6 m=9 s=41
